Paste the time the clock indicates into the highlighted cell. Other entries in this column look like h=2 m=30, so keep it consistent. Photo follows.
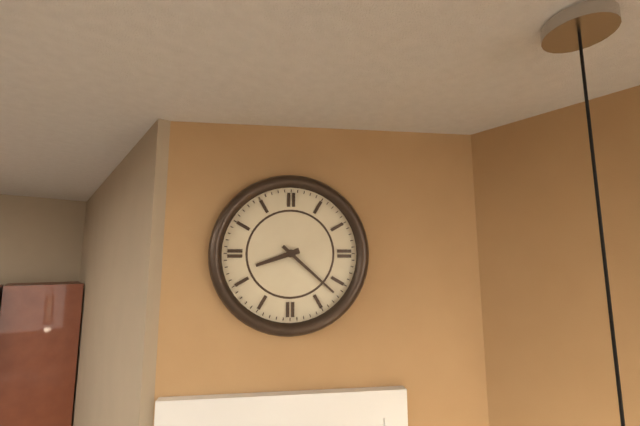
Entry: h=8 m=22
